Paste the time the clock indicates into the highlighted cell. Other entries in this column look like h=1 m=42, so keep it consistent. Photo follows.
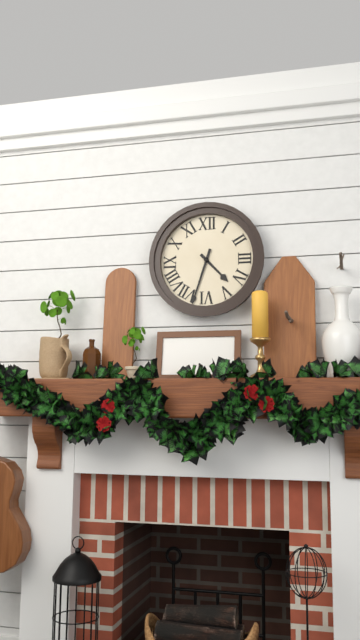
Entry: h=4 m=33
